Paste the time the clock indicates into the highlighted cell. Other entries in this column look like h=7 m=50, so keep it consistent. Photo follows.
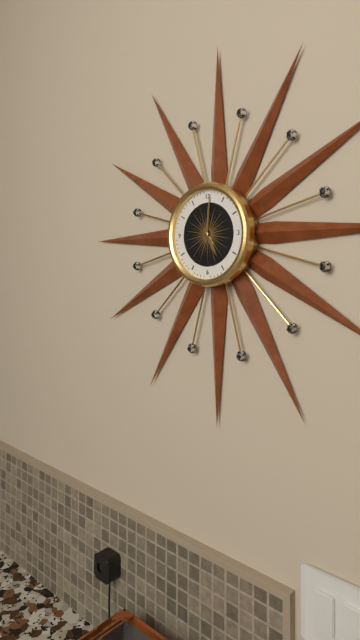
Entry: h=5 m=1
